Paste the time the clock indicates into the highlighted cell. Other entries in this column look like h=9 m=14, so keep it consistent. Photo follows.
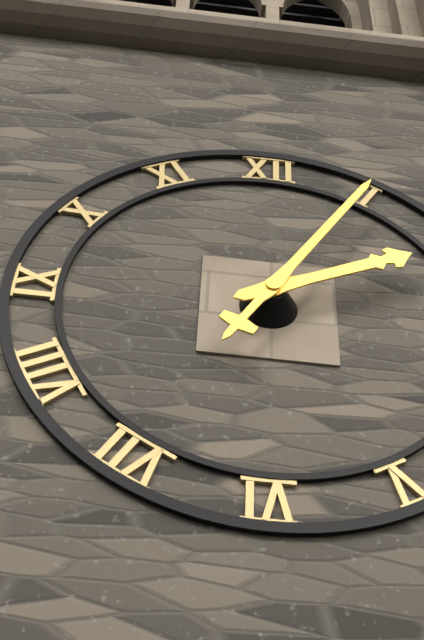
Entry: h=2 m=5
